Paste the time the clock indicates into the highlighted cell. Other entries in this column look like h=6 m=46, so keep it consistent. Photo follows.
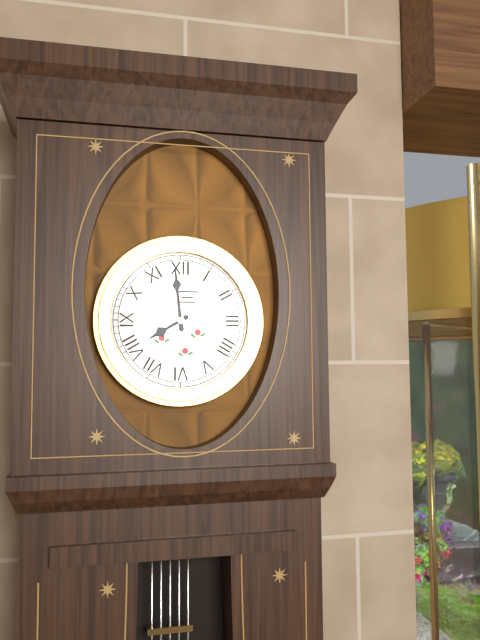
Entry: h=7 m=59
